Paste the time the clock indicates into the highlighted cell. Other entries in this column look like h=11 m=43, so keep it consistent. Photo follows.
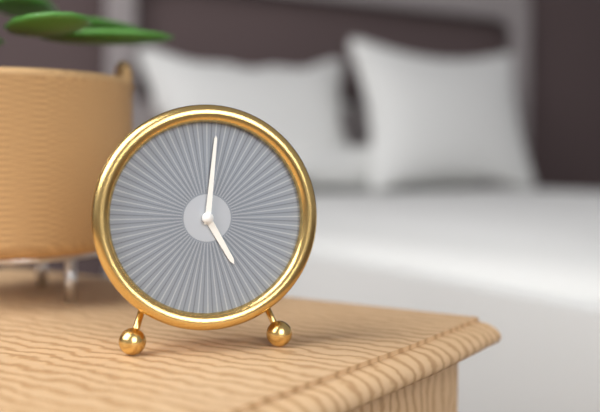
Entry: h=5 m=1
